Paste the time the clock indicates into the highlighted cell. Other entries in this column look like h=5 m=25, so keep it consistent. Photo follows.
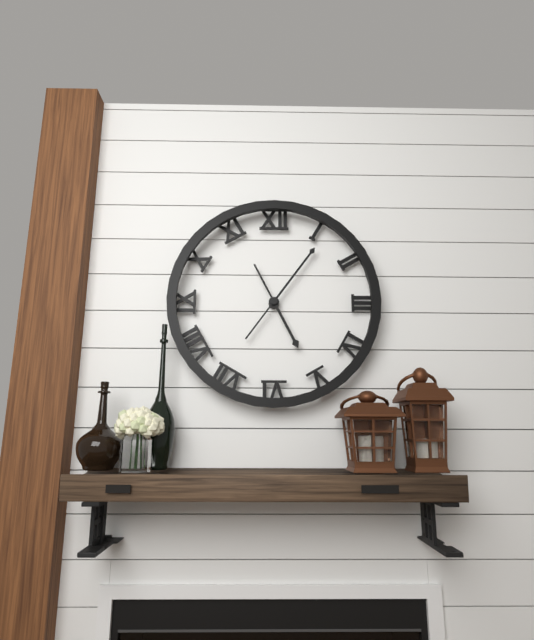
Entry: h=5 m=6
